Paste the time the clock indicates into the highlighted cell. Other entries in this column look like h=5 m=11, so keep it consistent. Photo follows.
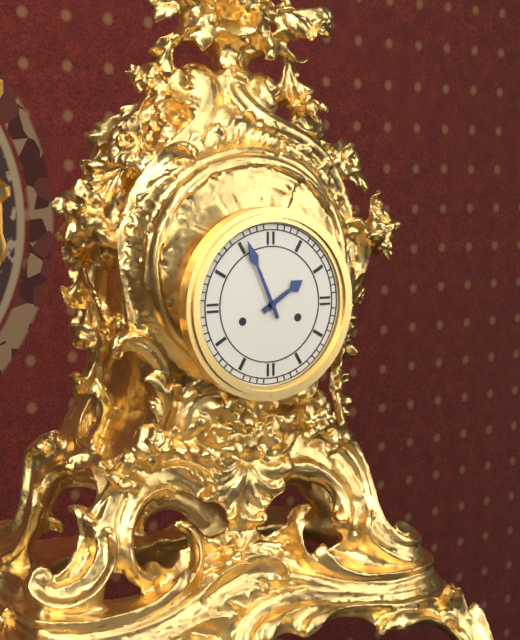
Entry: h=1 m=56
